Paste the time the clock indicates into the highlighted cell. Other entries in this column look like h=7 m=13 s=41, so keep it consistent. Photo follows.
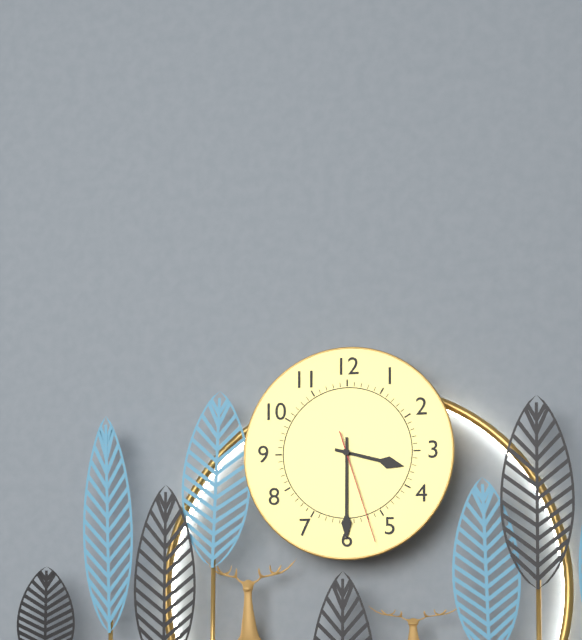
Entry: h=3 m=30 s=27
